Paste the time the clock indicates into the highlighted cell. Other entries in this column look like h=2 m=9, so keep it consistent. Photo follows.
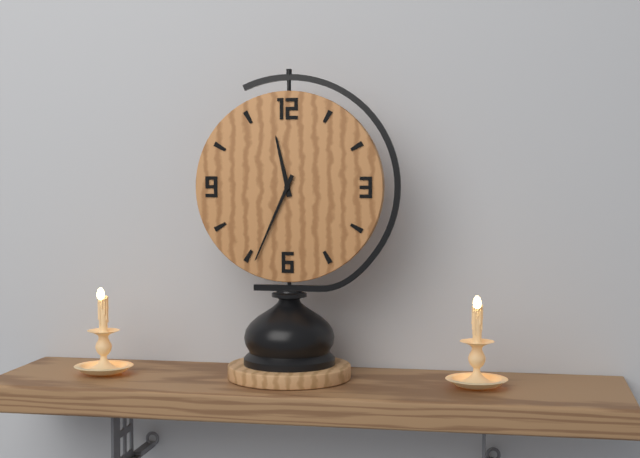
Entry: h=11 m=34
